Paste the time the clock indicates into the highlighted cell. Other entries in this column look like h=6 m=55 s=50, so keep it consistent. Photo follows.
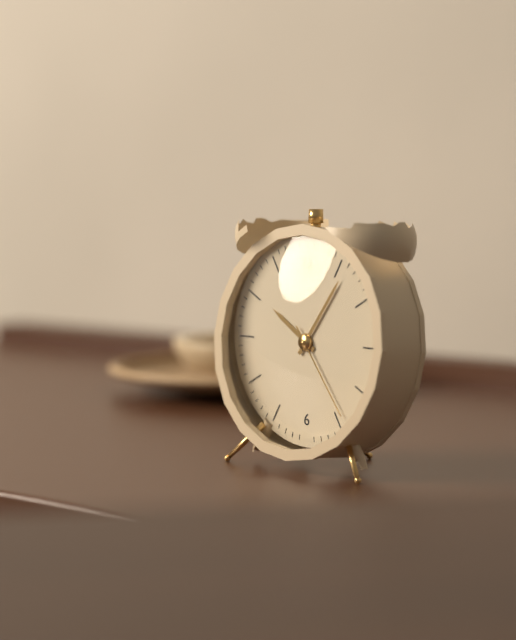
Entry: h=10 m=6 s=24
